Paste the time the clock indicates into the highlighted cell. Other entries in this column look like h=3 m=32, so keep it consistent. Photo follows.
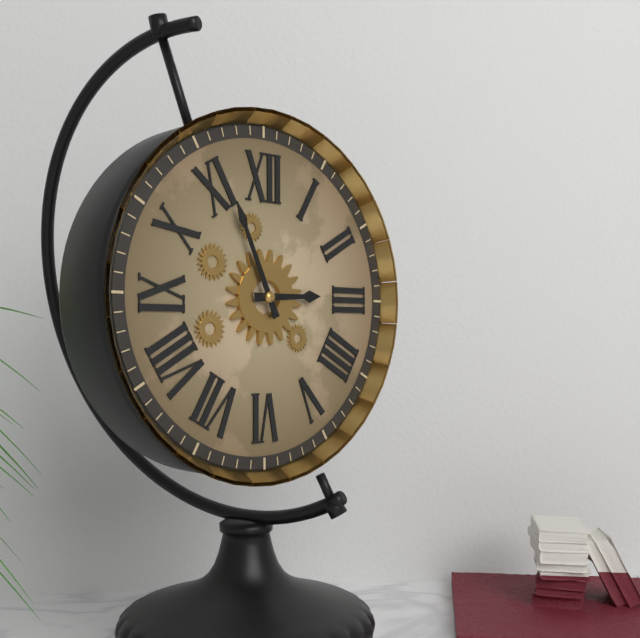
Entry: h=2 m=56
